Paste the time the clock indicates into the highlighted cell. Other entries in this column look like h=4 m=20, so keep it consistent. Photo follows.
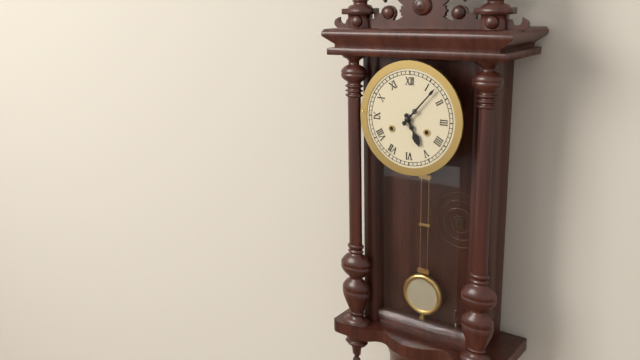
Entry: h=5 m=7
